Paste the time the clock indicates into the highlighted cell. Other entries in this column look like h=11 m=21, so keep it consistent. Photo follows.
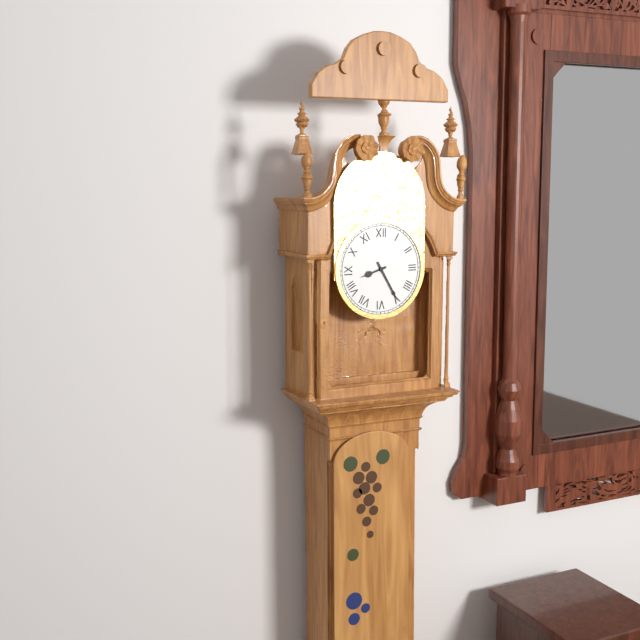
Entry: h=8 m=25
